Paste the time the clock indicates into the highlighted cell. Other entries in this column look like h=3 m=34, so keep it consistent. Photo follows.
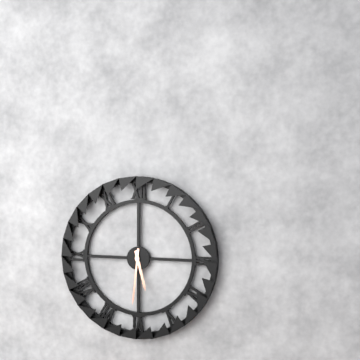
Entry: h=5 m=31
